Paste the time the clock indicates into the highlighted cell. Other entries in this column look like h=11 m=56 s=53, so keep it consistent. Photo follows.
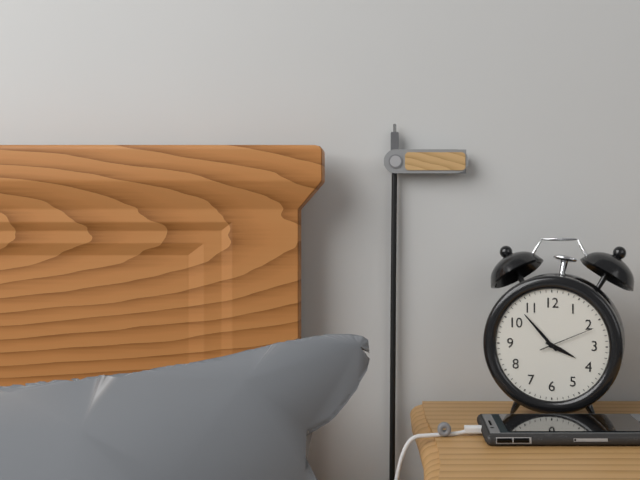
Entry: h=3 m=53 s=11
